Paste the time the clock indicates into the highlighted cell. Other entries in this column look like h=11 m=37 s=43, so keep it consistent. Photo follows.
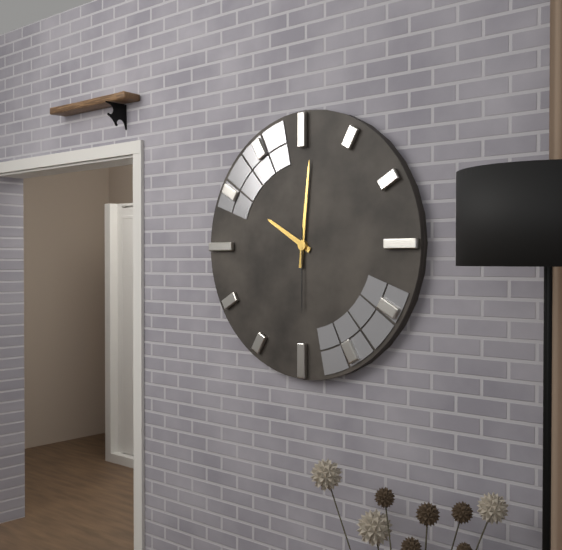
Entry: h=10 m=1 s=30
